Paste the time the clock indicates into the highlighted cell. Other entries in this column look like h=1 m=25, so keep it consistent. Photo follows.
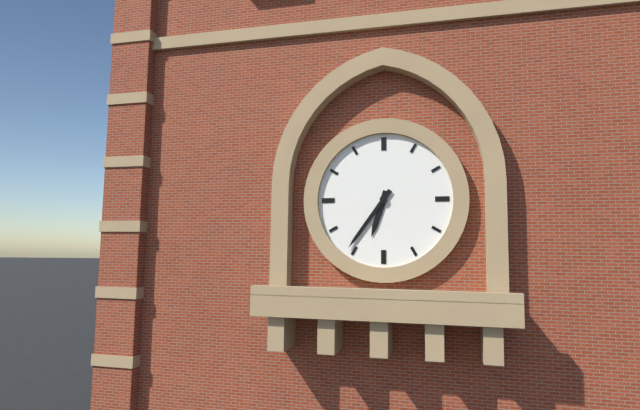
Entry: h=6 m=36
